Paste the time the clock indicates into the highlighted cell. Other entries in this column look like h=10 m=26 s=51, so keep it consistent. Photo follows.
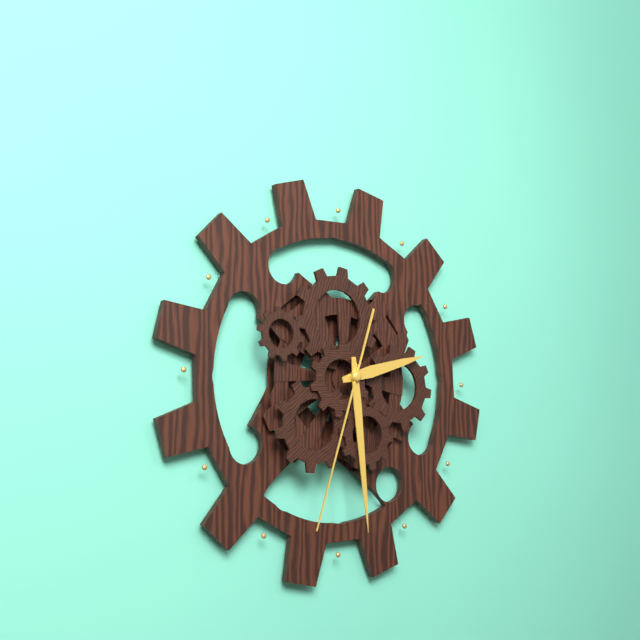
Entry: h=2 m=29 s=33
